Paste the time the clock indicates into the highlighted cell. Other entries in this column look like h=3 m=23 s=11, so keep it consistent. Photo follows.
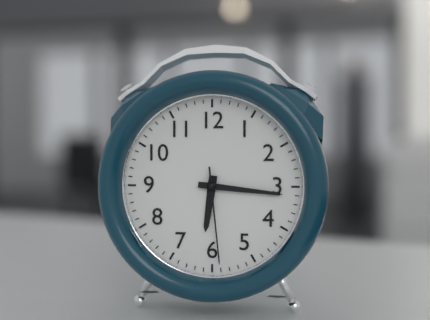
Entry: h=6 m=16 s=29
